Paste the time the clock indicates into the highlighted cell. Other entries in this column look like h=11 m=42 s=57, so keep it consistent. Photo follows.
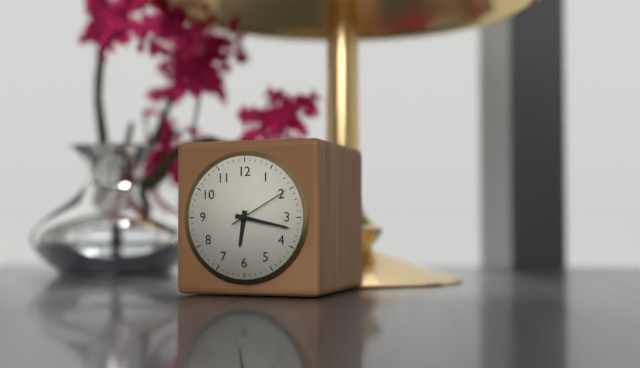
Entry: h=6 m=17 s=10
